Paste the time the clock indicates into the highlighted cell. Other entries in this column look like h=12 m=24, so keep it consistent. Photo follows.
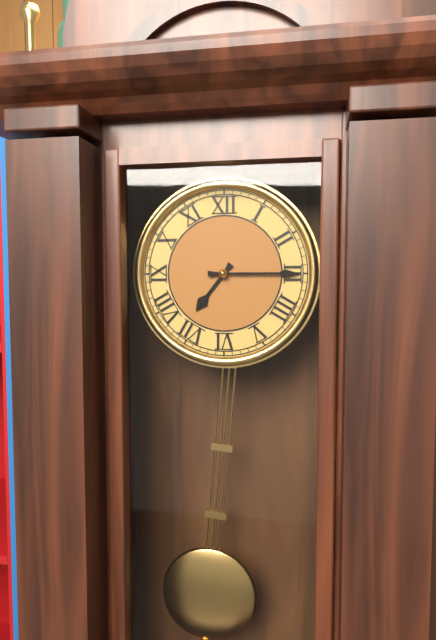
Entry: h=7 m=15
